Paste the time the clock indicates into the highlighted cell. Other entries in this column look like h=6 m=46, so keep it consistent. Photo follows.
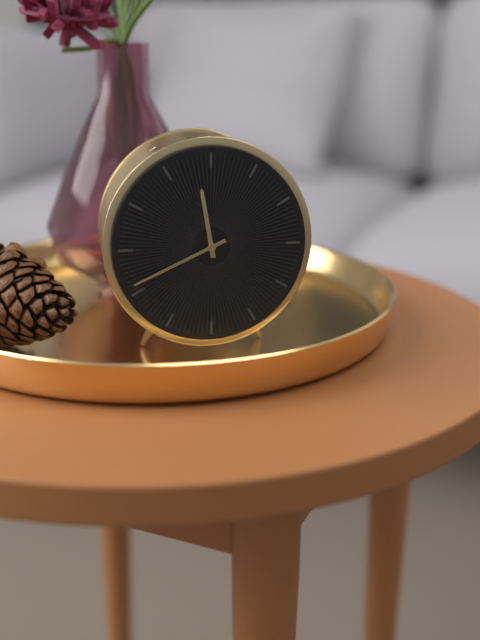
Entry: h=11 m=41
